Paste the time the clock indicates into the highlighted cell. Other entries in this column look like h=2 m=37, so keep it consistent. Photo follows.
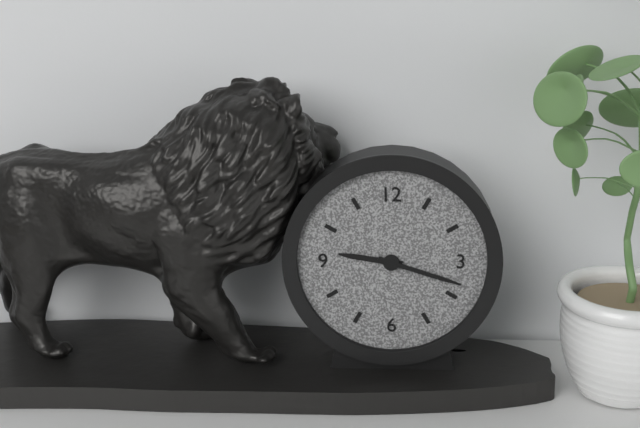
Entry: h=9 m=18
